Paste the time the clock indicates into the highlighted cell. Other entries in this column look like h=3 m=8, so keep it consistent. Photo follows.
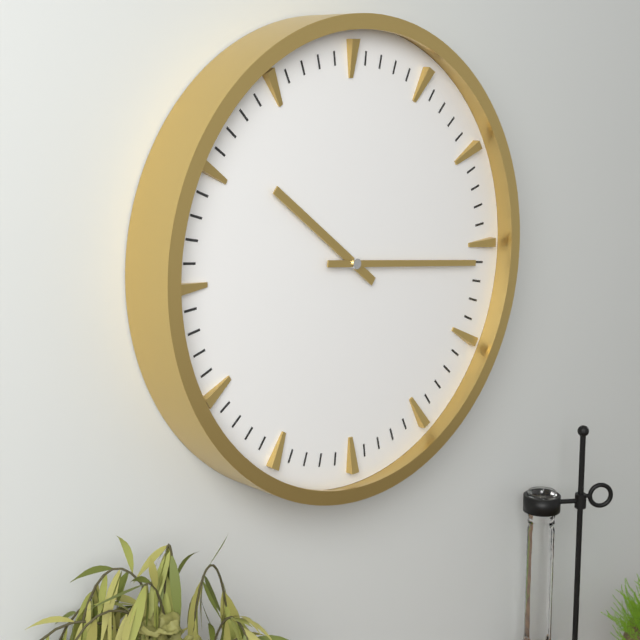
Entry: h=10 m=16
